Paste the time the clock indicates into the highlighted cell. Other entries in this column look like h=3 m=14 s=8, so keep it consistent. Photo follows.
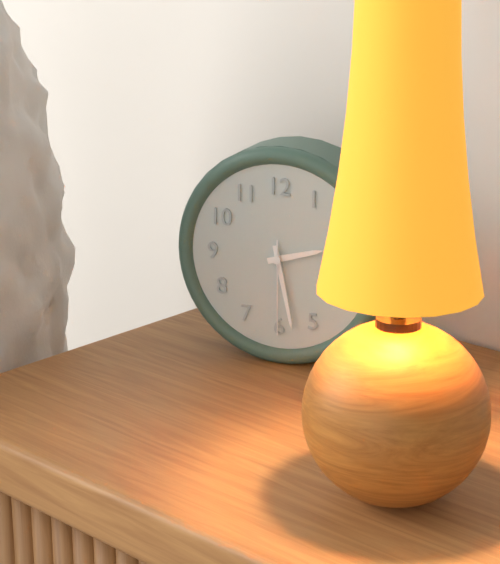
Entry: h=2 m=28 s=30
